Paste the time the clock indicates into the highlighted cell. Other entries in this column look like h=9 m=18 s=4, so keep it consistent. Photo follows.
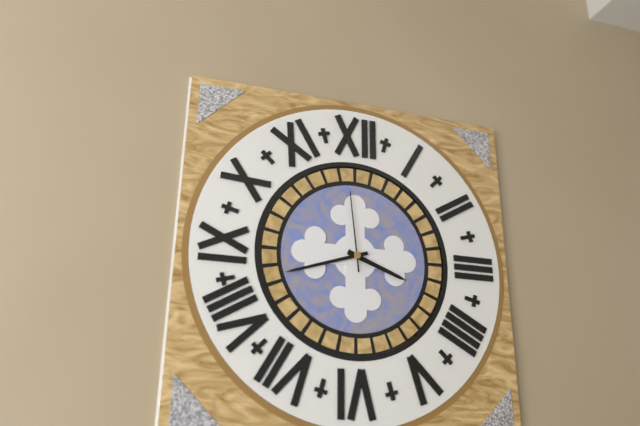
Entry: h=3 m=42 s=59
